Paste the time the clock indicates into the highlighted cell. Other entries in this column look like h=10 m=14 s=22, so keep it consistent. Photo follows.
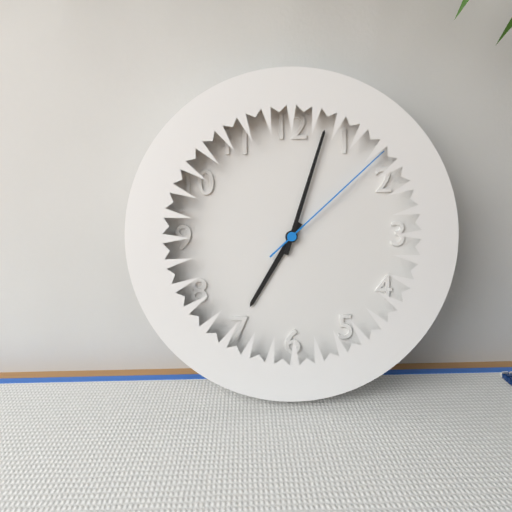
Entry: h=7 m=3 s=8
